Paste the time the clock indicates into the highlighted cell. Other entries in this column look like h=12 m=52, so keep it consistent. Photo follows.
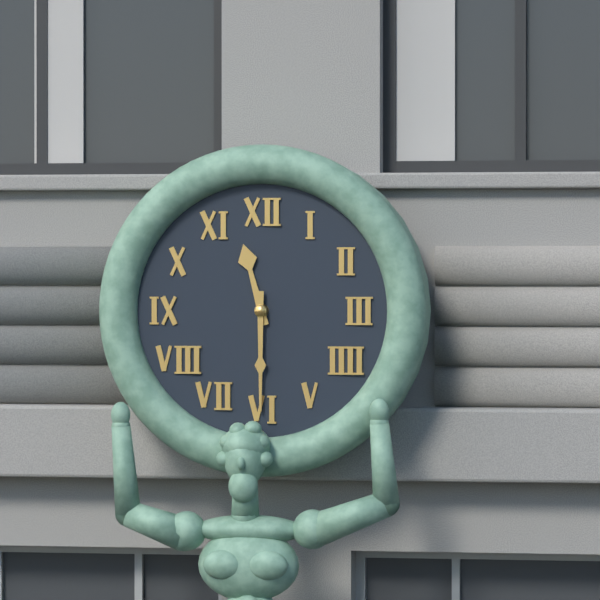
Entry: h=11 m=30
